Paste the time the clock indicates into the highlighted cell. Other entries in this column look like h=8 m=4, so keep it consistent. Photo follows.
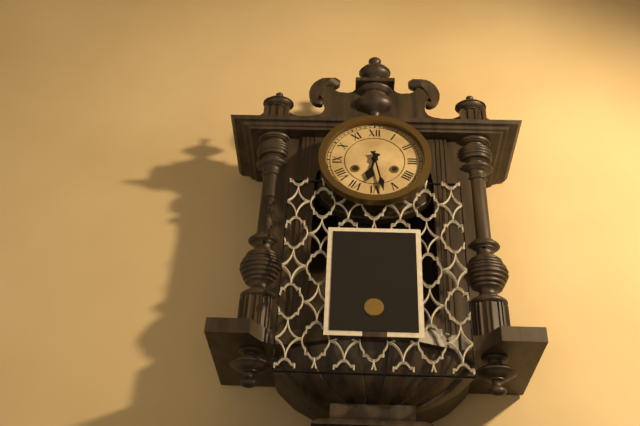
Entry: h=6 m=28
